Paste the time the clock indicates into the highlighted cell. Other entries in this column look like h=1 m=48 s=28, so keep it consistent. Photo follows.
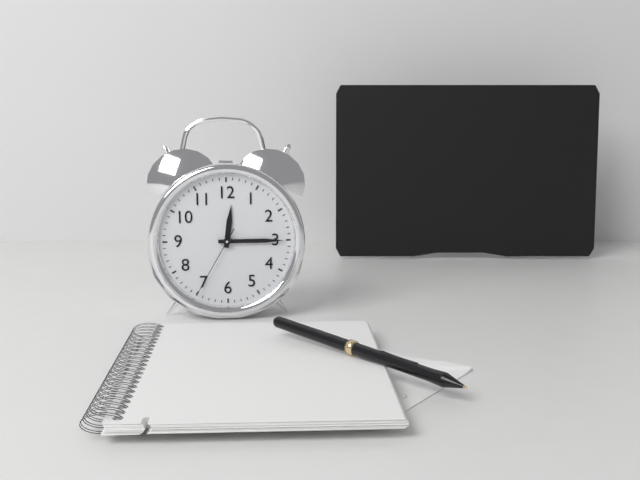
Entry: h=12 m=15 s=35
